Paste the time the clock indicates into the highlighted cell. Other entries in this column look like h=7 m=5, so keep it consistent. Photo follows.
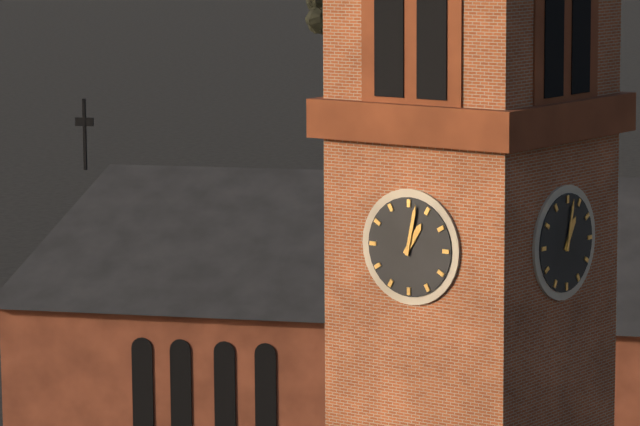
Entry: h=1 m=2
